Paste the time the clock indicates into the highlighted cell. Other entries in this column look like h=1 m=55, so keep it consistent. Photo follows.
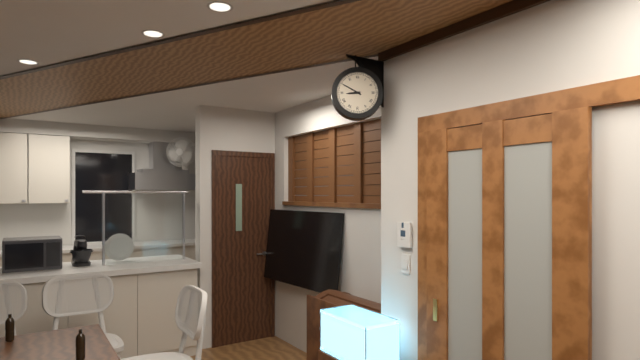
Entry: h=8 m=50
